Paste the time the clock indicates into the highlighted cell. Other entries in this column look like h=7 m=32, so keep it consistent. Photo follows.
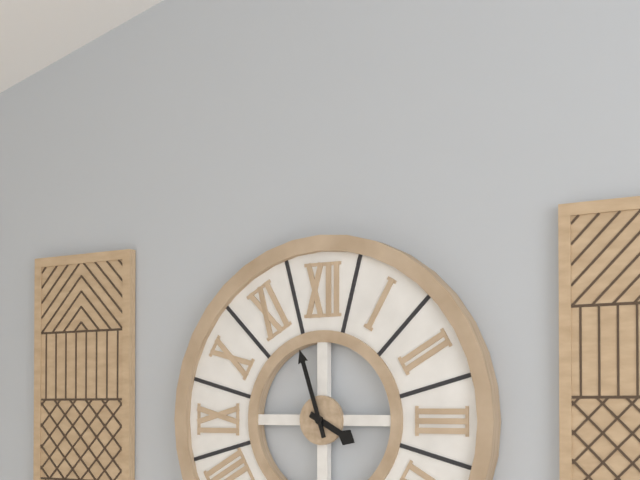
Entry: h=3 m=57
